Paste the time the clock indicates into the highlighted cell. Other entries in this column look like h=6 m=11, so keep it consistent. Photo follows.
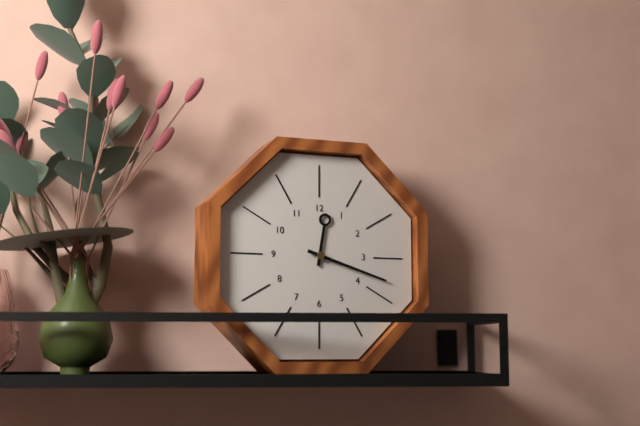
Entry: h=12 m=18
